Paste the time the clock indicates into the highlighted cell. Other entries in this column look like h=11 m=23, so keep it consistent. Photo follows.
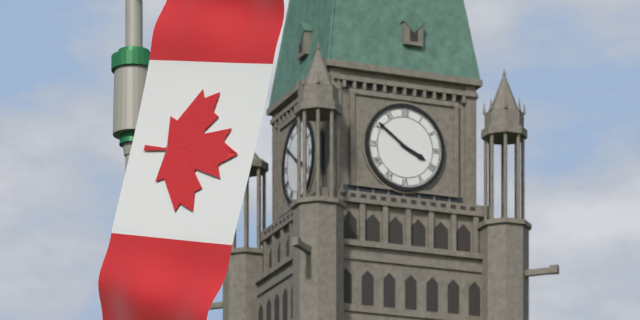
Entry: h=3 m=51
